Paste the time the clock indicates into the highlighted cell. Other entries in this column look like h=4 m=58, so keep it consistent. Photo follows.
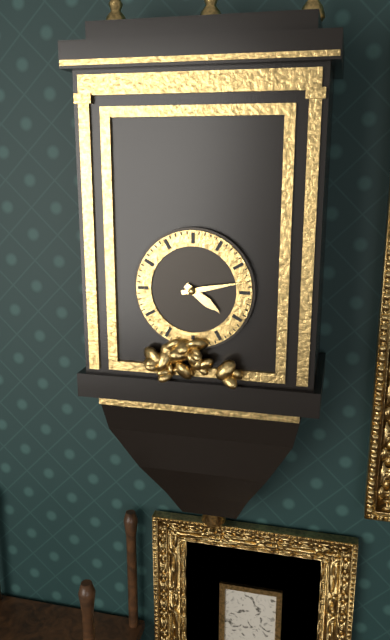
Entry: h=4 m=13
